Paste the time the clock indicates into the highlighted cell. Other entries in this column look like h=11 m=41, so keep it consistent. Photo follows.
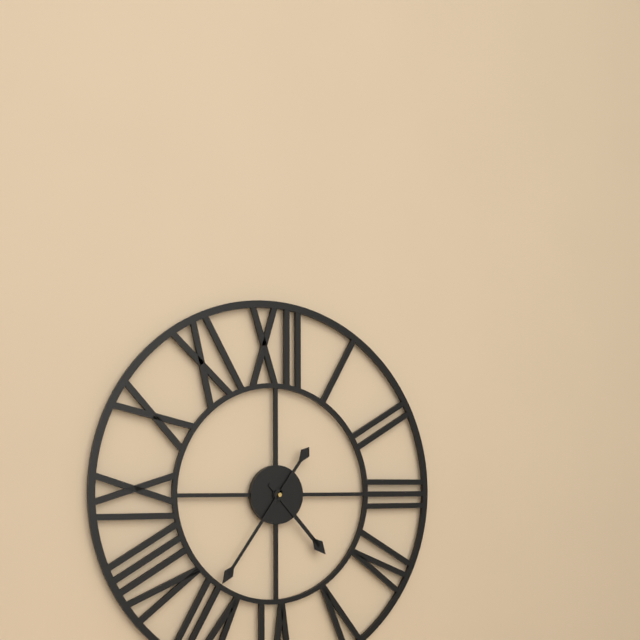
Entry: h=4 m=36
